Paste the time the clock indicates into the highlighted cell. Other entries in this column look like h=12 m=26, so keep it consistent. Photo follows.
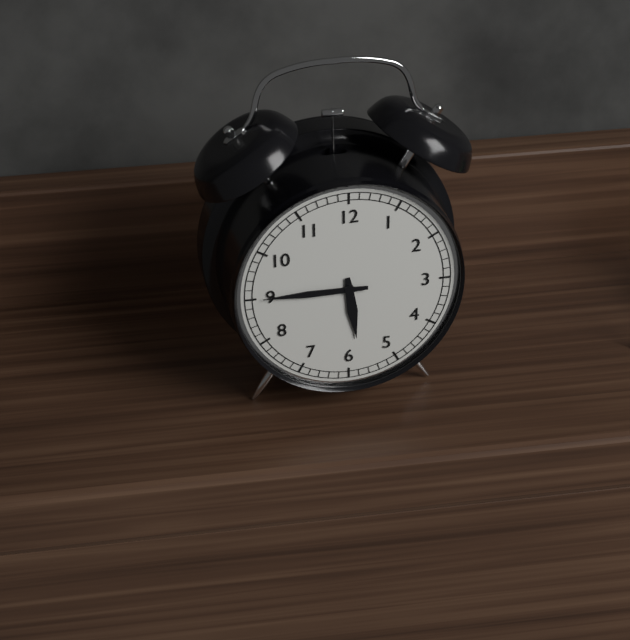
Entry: h=5 m=45
